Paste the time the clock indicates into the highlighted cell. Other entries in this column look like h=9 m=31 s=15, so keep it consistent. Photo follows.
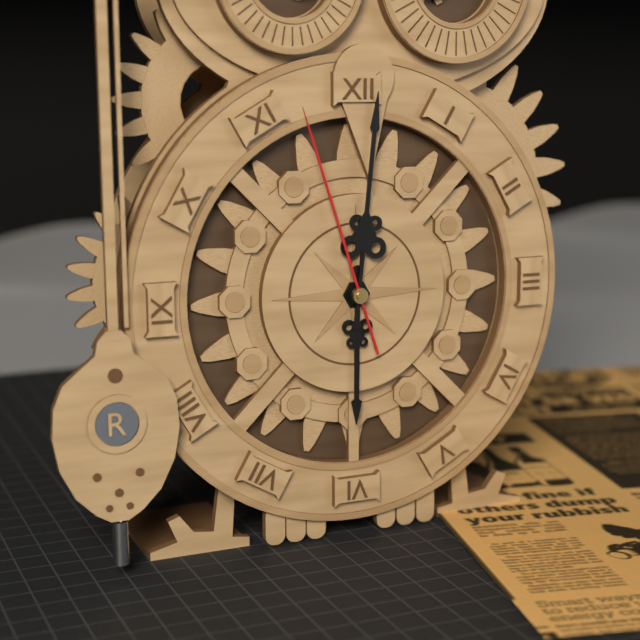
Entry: h=6 m=1 s=57
